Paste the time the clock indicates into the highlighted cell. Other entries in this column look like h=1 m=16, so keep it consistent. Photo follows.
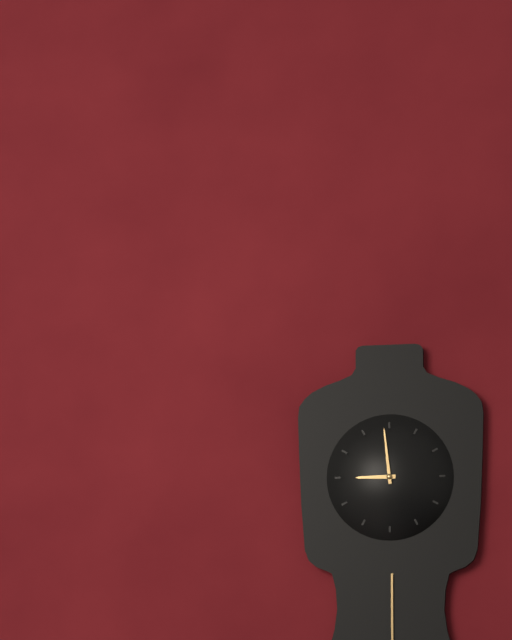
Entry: h=8 m=59
